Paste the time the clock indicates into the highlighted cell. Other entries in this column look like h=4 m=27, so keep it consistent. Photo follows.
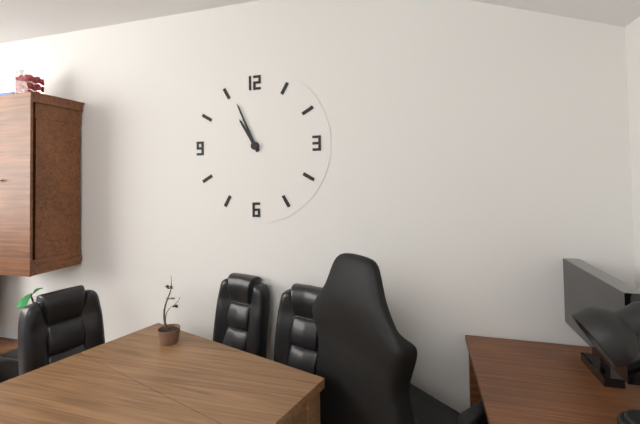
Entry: h=10 m=56
